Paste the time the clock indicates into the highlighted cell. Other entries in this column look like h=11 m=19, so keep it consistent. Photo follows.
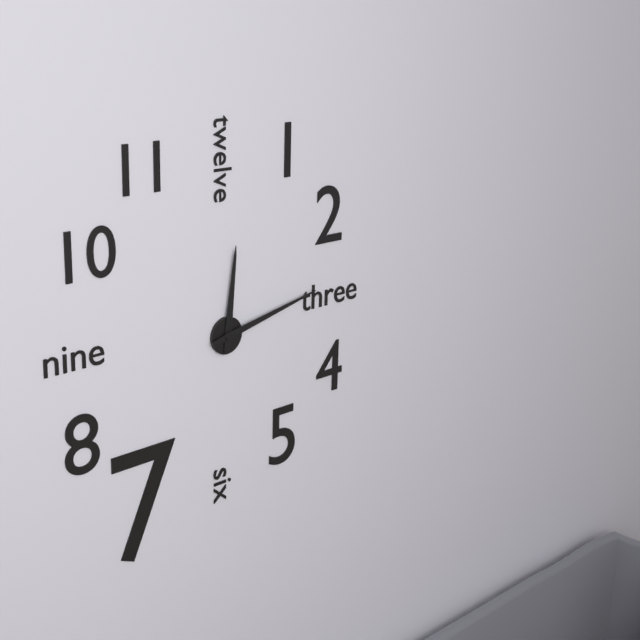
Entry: h=12 m=13
